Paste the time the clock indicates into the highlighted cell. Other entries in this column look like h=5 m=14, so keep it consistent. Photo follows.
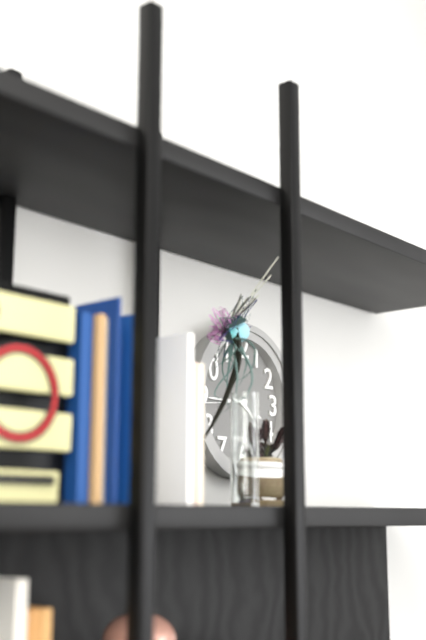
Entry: h=3 m=45
